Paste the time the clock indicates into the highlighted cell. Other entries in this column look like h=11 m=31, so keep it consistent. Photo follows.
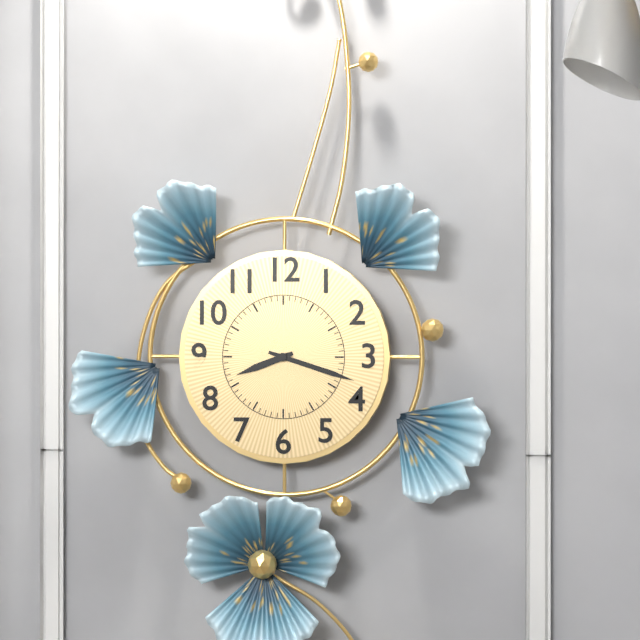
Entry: h=8 m=18
